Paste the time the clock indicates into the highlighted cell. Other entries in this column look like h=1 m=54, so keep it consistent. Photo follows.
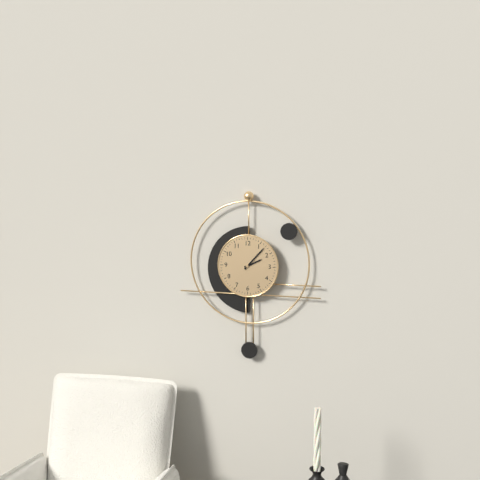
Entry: h=2 m=7
